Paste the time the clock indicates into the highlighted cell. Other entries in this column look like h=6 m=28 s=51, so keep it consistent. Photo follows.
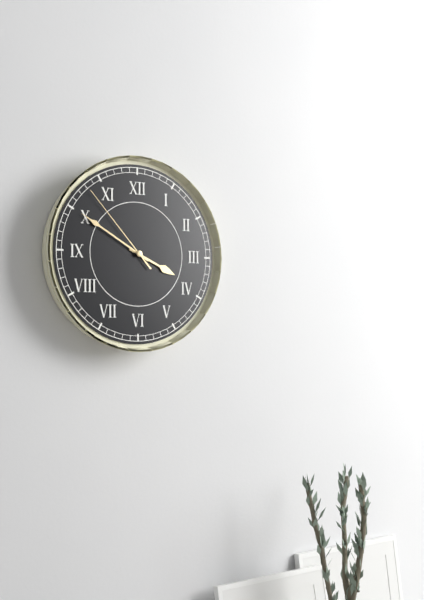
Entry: h=3 m=50 s=53
